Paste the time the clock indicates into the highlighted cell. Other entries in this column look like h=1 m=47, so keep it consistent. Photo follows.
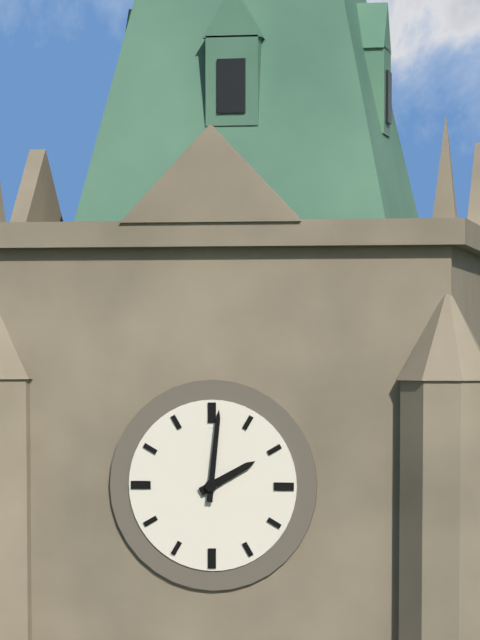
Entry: h=2 m=1
